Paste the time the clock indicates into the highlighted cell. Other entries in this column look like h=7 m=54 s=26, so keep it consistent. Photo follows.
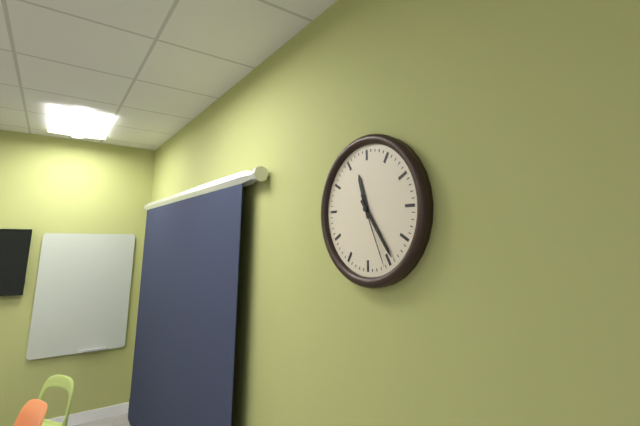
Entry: h=11 m=24 s=26
